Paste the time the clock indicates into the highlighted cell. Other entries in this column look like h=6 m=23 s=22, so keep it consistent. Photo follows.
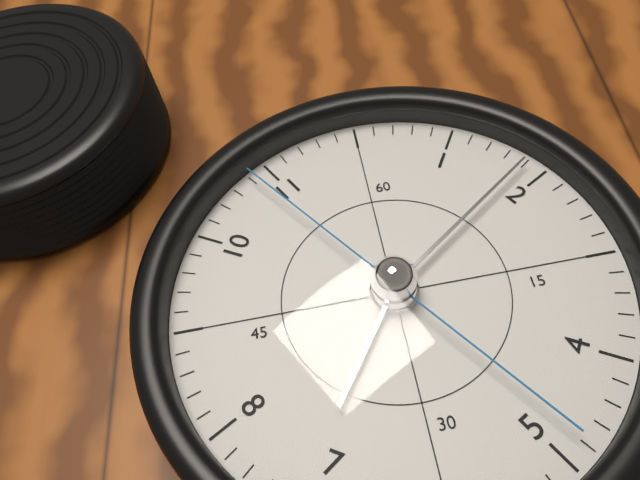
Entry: h=7 m=9 s=54
